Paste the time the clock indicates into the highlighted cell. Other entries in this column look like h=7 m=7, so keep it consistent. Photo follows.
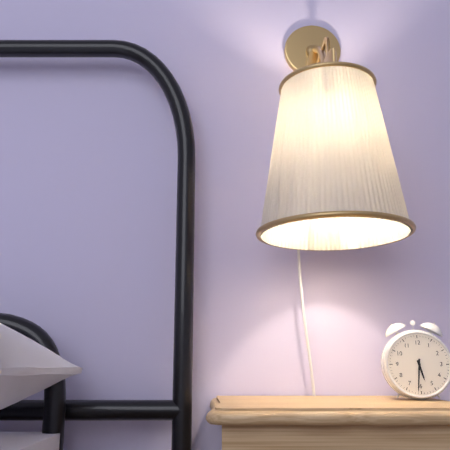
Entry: h=5 m=31
